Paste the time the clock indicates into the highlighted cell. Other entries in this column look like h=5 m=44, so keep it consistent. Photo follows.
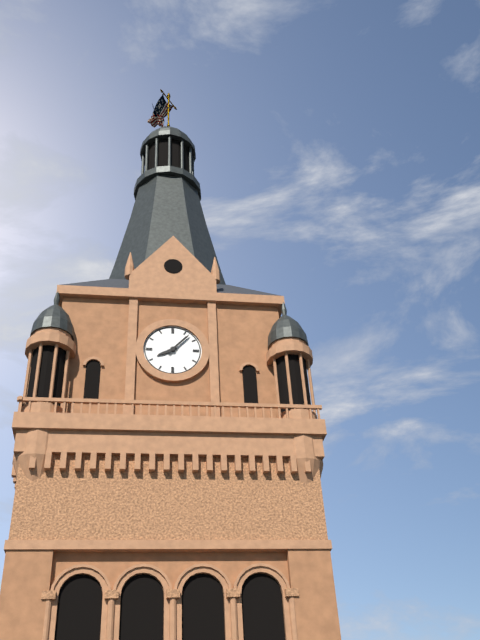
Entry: h=8 m=7
